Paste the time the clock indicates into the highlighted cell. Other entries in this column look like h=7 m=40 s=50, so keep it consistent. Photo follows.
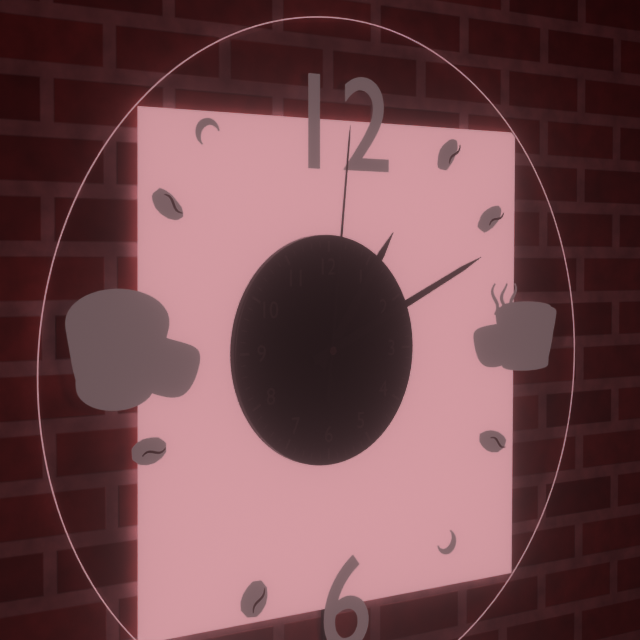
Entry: h=1 m=11 s=1
